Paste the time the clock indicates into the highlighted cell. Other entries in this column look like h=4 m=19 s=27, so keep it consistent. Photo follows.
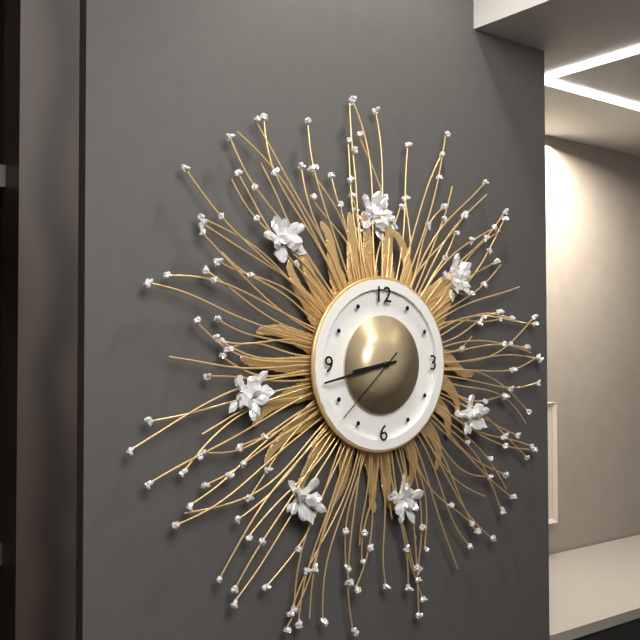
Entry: h=8 m=43 s=38
